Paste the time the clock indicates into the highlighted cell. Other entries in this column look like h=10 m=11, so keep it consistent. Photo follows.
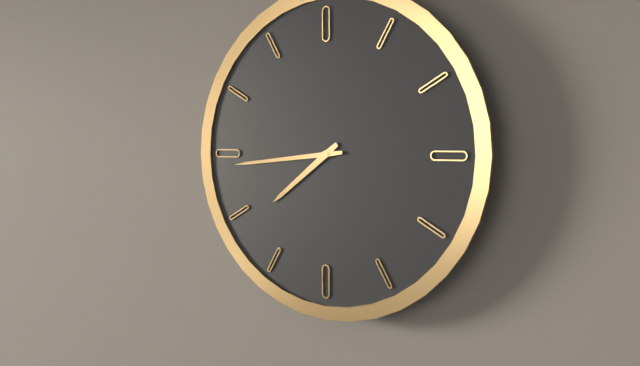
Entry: h=7 m=44
